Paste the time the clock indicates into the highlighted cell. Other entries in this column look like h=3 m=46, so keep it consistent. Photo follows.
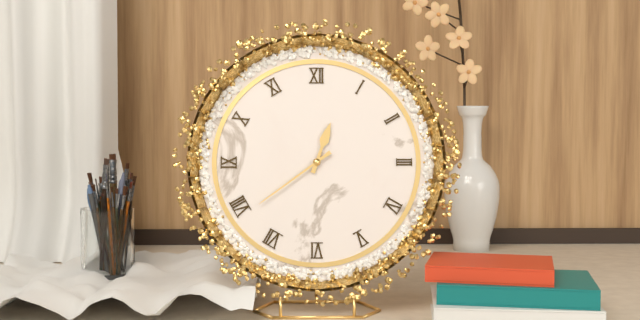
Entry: h=12 m=39
